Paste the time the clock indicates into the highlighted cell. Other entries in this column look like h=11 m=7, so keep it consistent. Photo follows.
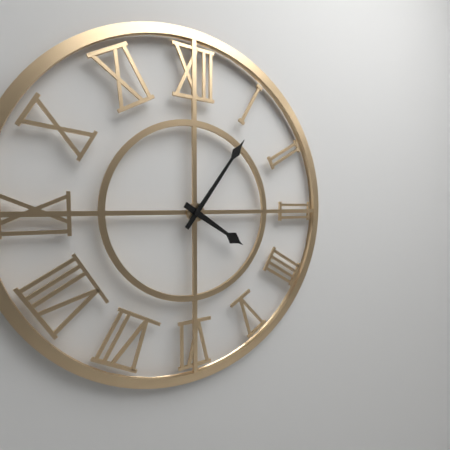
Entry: h=4 m=6
